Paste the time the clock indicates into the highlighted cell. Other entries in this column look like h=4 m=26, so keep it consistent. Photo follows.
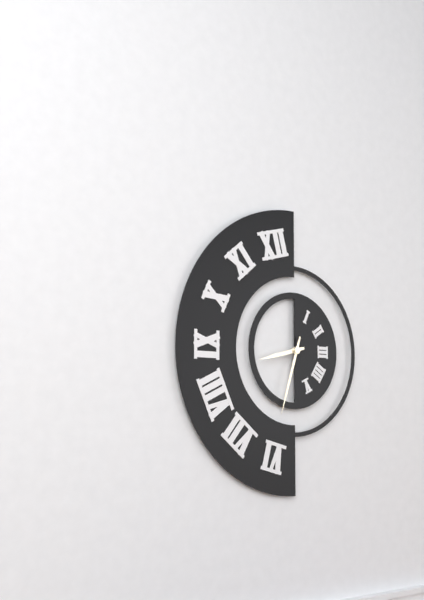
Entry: h=8 m=33
